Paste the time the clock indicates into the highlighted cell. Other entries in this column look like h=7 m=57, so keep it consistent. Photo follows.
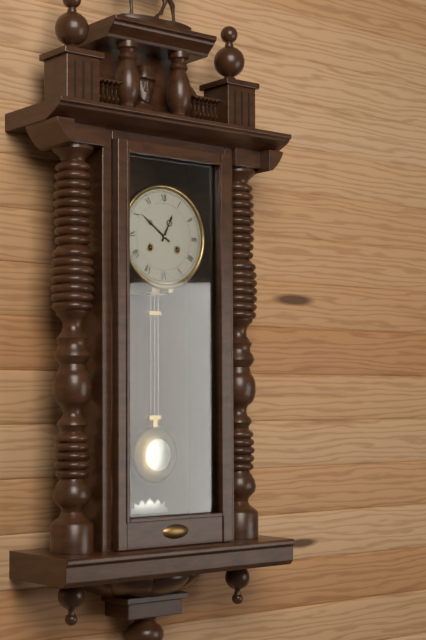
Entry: h=12 m=51
